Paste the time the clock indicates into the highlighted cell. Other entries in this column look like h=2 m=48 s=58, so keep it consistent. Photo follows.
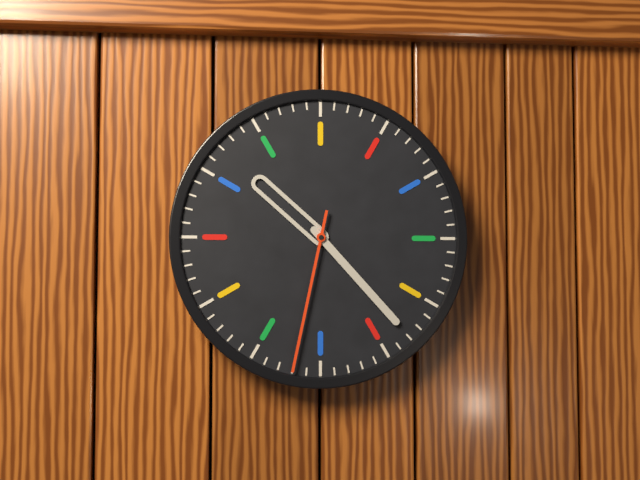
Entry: h=10 m=23 s=32
